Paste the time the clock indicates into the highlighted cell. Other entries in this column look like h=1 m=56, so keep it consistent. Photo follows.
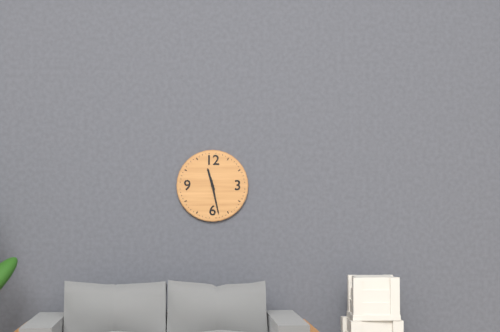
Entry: h=11 m=28
